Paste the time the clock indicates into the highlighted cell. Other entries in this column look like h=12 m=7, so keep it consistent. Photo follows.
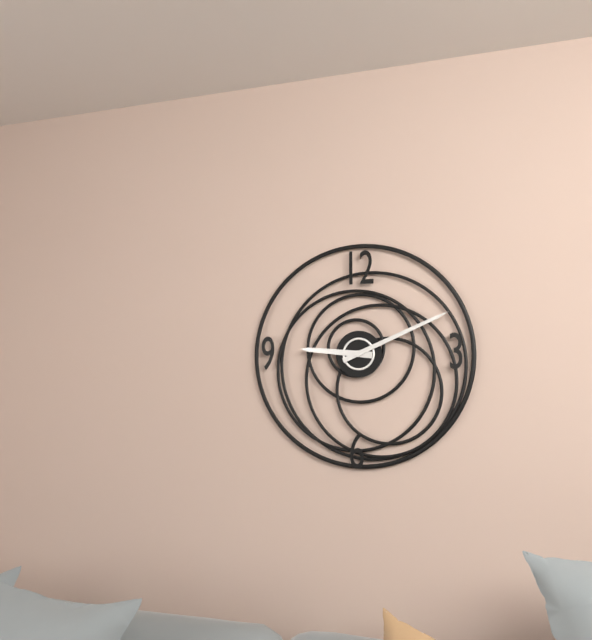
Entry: h=9 m=11
